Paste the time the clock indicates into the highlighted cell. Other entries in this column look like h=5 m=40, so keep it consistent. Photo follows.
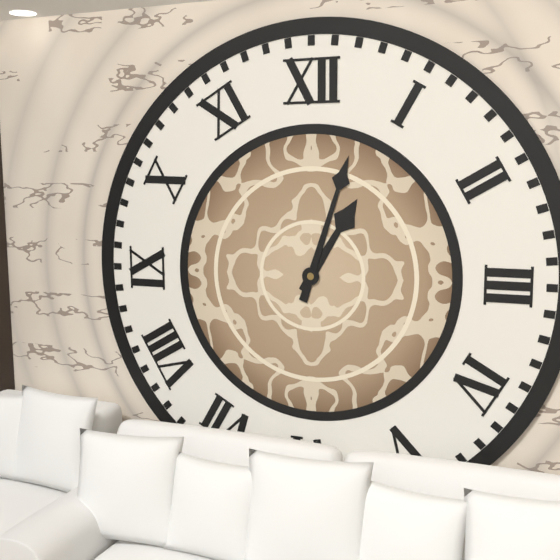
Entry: h=1 m=3
